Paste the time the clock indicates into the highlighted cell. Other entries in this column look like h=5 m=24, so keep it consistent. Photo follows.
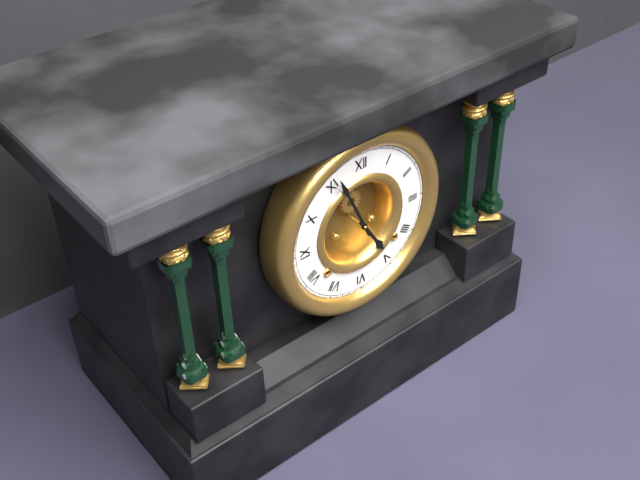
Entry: h=4 m=56
